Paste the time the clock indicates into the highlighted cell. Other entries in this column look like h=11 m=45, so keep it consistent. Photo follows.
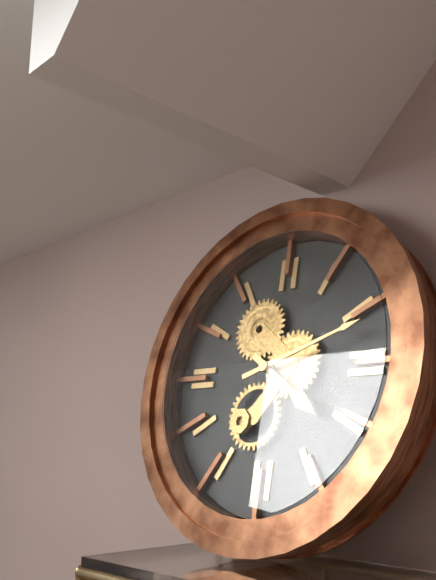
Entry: h=4 m=12
